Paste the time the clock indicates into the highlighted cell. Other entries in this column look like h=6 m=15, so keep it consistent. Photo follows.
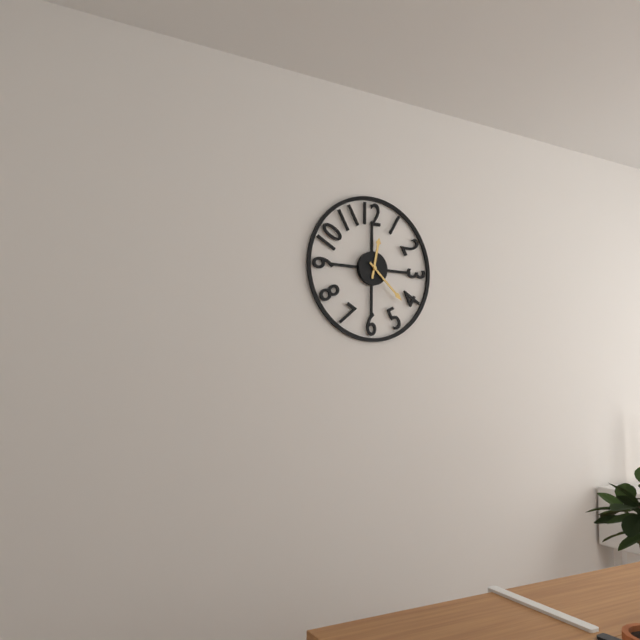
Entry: h=12 m=22
